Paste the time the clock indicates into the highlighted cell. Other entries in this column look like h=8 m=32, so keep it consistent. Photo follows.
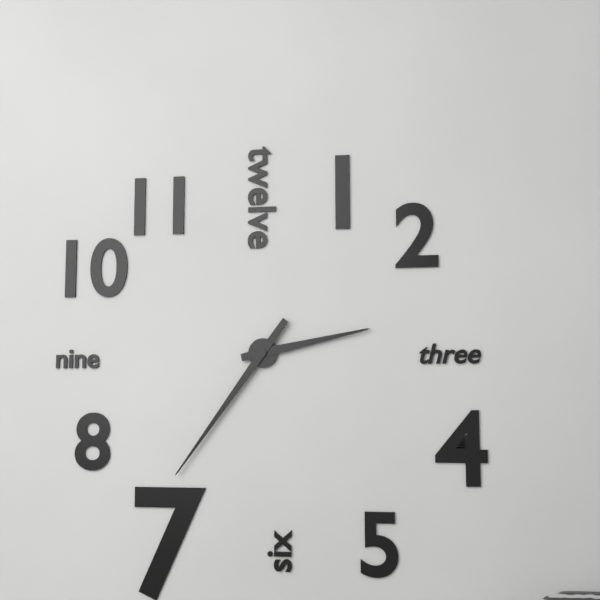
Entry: h=2 m=36
